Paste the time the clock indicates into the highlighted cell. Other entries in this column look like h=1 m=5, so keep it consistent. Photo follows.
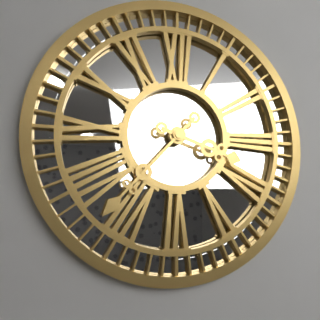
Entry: h=3 m=37
